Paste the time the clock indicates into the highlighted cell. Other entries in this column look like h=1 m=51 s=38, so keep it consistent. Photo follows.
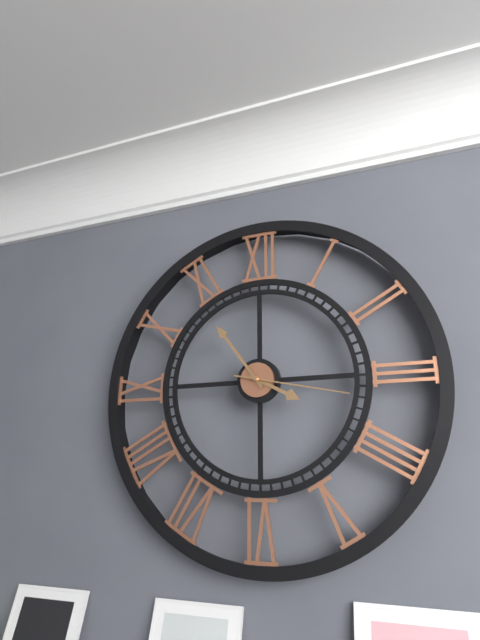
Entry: h=3 m=54 s=17
